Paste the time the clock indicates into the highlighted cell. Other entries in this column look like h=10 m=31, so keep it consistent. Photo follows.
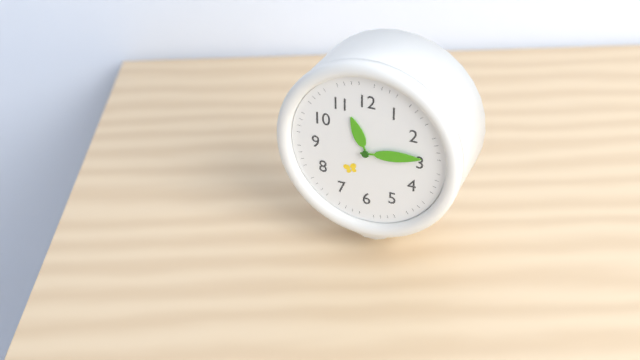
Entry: h=11 m=14
